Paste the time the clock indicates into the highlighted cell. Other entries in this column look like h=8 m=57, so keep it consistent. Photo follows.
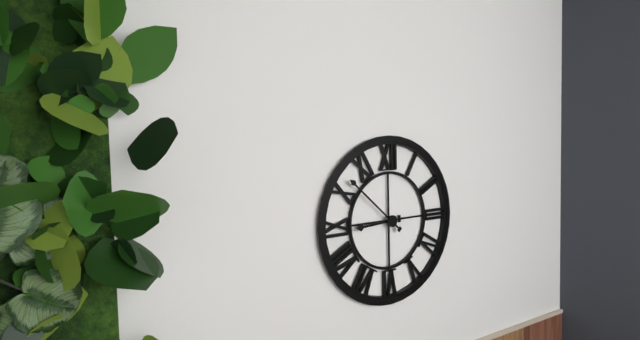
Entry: h=8 m=52
